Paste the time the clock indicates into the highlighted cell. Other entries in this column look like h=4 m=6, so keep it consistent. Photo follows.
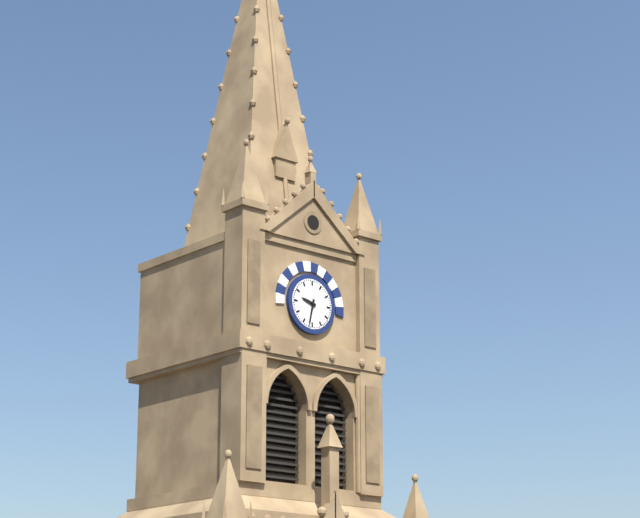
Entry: h=9 m=32
